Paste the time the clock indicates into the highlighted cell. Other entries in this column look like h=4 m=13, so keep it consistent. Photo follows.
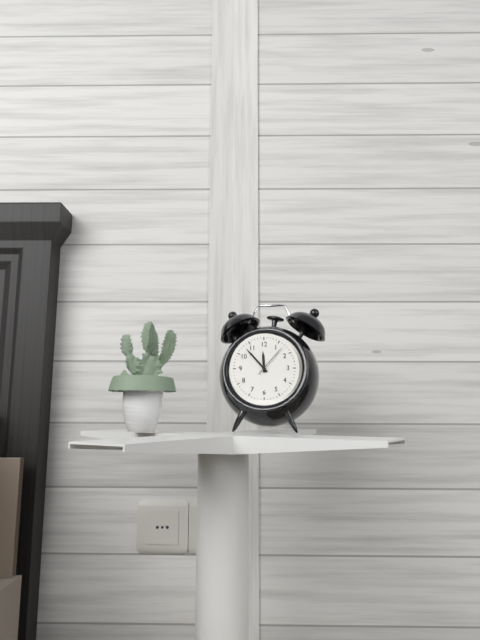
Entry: h=11 m=53
